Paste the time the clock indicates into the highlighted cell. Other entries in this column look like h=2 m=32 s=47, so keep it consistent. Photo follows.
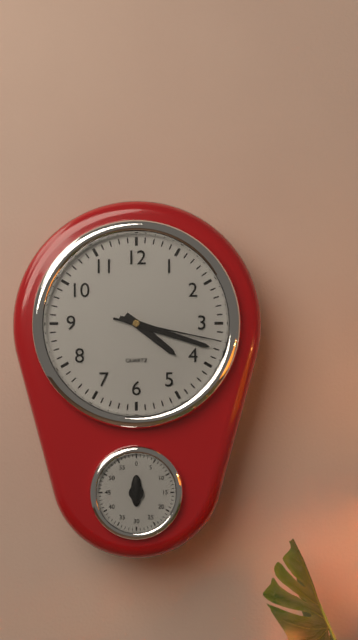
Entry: h=4 m=18 s=17
